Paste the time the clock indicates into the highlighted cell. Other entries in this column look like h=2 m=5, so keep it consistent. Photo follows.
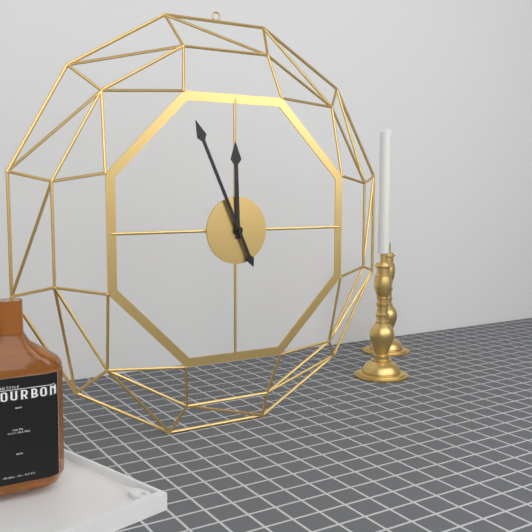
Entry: h=11 m=56
